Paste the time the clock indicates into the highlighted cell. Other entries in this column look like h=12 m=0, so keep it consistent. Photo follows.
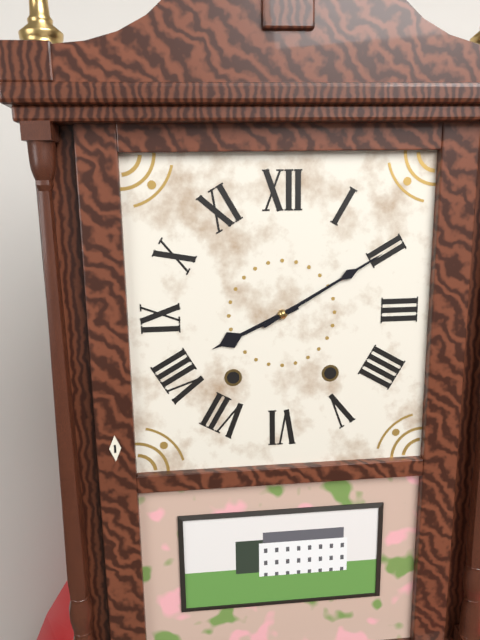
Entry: h=8 m=10
